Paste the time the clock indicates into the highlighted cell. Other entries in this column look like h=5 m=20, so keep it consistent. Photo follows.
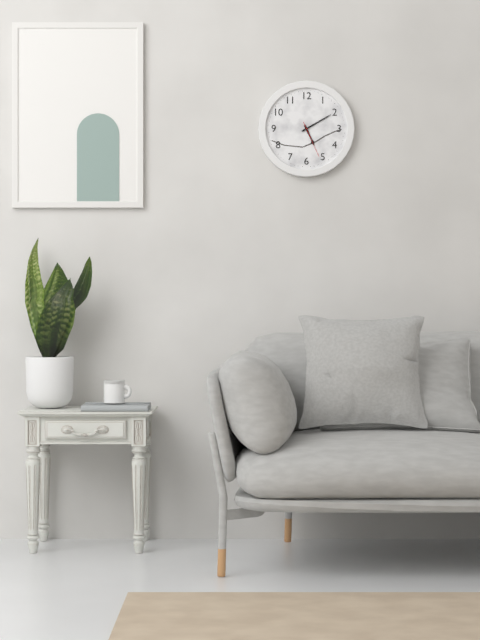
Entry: h=5 m=10
